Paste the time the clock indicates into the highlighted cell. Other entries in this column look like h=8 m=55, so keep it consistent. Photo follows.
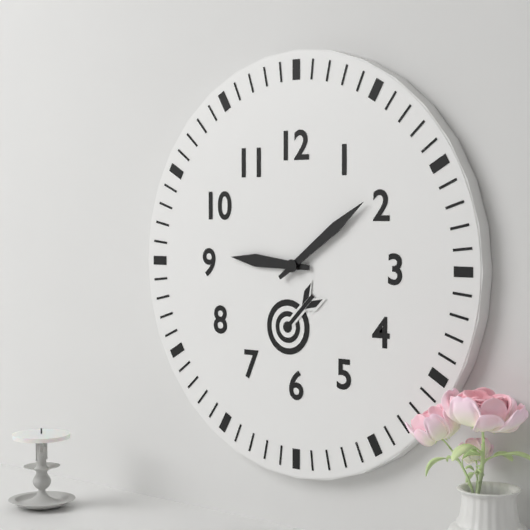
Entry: h=9 m=9
